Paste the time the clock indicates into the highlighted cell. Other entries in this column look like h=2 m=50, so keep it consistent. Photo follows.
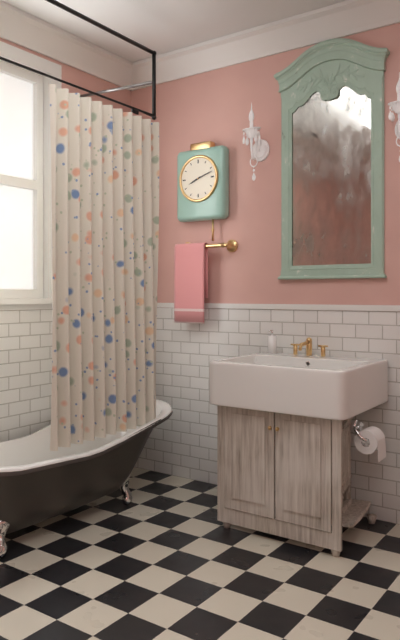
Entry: h=8 m=12
